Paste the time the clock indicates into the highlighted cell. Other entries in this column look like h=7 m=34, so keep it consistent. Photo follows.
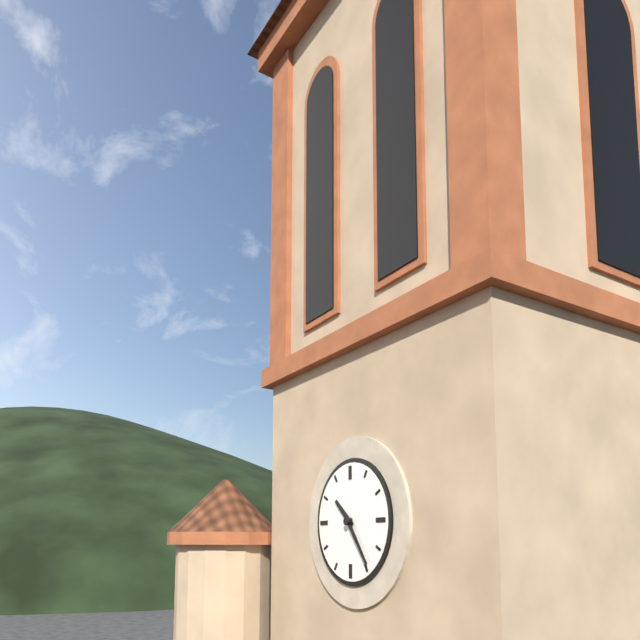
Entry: h=10 m=24
